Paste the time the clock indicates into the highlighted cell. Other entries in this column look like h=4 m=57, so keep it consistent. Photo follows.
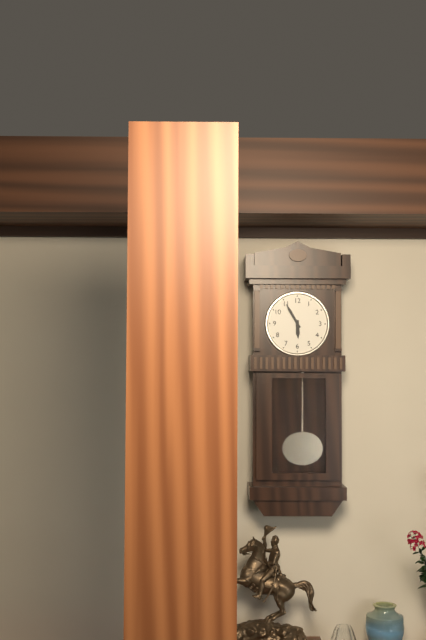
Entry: h=5 m=55
